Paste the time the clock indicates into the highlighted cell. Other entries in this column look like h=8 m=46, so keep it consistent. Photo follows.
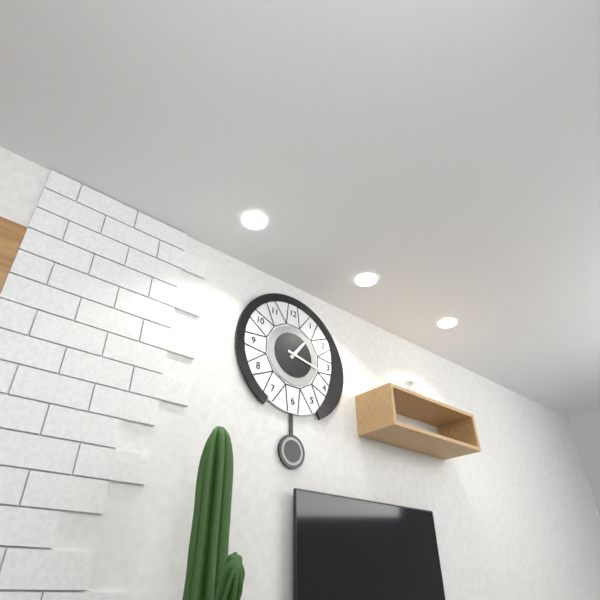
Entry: h=1 m=17
